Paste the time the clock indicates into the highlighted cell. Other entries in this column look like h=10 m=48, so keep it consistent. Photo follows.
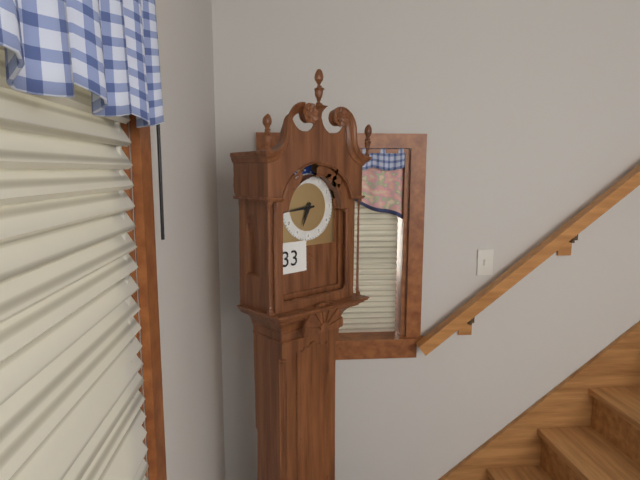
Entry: h=6 m=44
